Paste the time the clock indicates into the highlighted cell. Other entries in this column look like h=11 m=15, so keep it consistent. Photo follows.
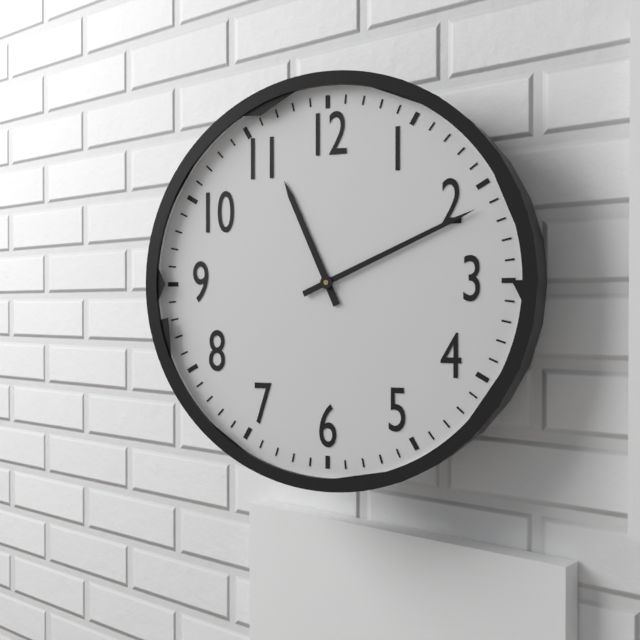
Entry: h=11 m=11
